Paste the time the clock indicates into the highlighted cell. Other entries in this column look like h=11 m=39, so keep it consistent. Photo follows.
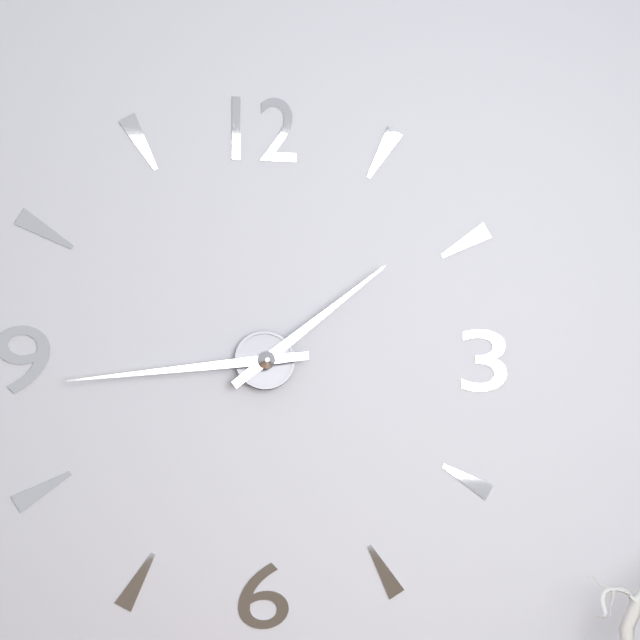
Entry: h=1 m=44
